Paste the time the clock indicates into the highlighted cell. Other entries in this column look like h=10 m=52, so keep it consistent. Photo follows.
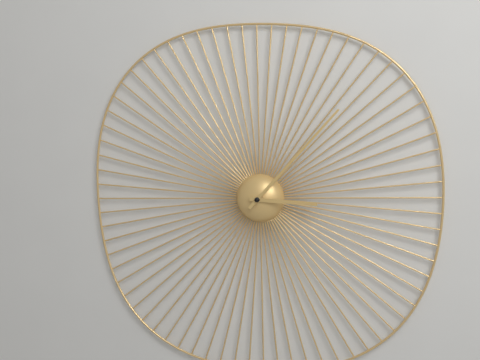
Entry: h=3 m=7
